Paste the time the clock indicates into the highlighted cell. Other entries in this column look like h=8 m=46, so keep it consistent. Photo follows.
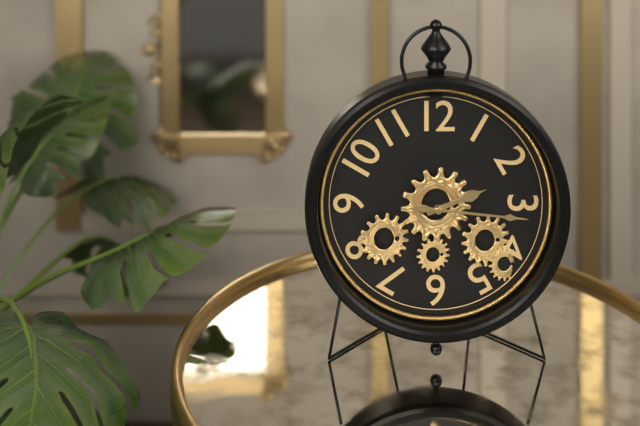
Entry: h=2 m=16
